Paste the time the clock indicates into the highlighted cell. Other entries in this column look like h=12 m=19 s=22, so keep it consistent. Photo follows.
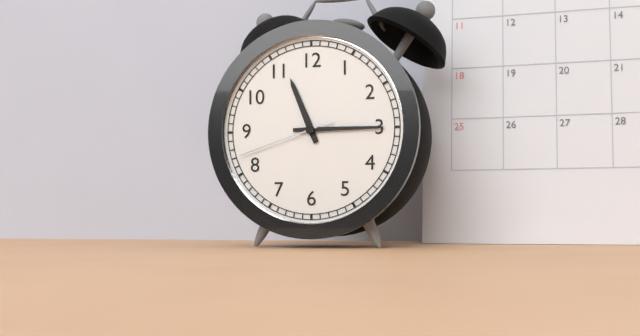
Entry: h=11 m=15 s=42
